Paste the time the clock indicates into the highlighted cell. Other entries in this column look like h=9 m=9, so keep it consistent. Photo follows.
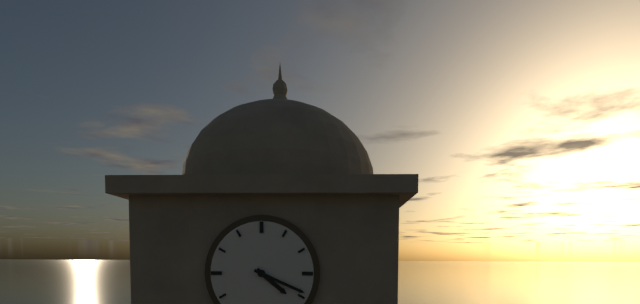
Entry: h=4 m=19
